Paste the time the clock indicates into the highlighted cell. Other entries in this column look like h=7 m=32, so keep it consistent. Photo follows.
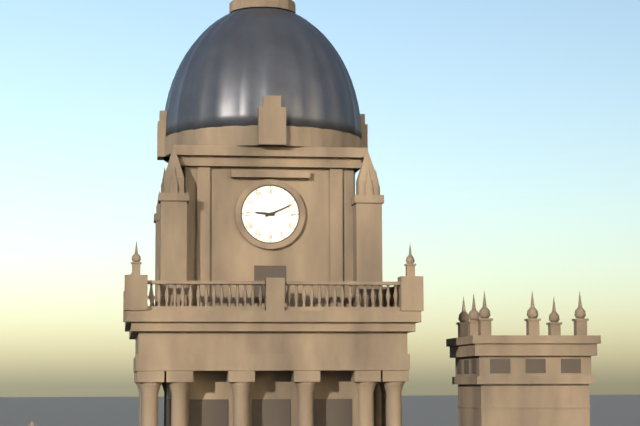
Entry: h=9 m=11
